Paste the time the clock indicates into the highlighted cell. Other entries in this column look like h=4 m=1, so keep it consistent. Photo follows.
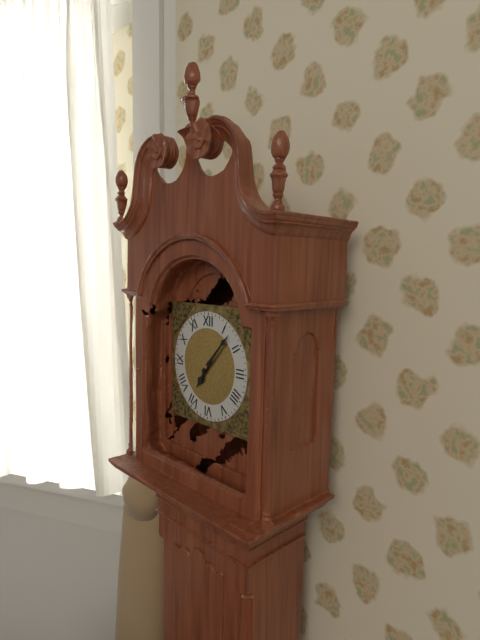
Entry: h=7 m=7
